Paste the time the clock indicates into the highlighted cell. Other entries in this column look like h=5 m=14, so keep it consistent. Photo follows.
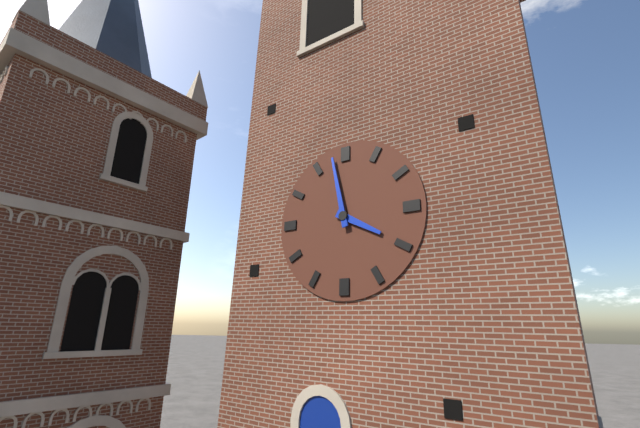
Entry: h=3 m=58
